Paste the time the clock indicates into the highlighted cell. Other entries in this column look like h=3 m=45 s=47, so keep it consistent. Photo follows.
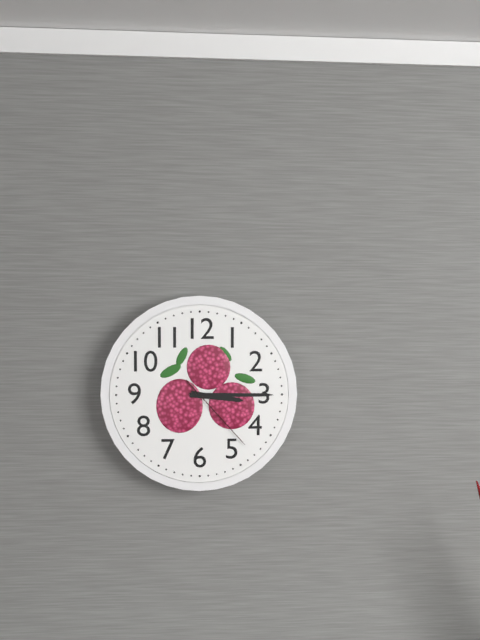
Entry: h=3 m=15 s=23
